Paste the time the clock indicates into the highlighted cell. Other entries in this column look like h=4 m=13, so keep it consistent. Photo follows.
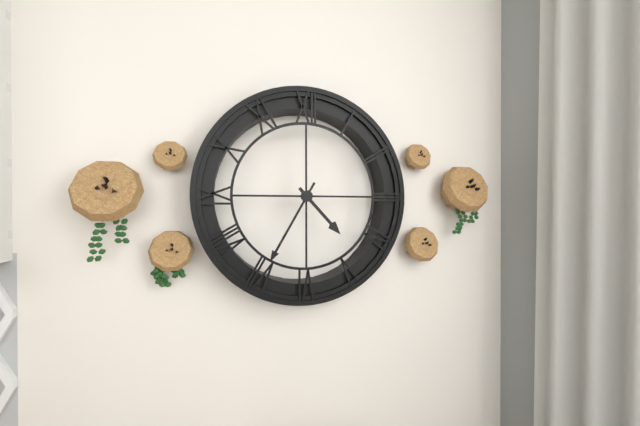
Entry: h=4 m=35
